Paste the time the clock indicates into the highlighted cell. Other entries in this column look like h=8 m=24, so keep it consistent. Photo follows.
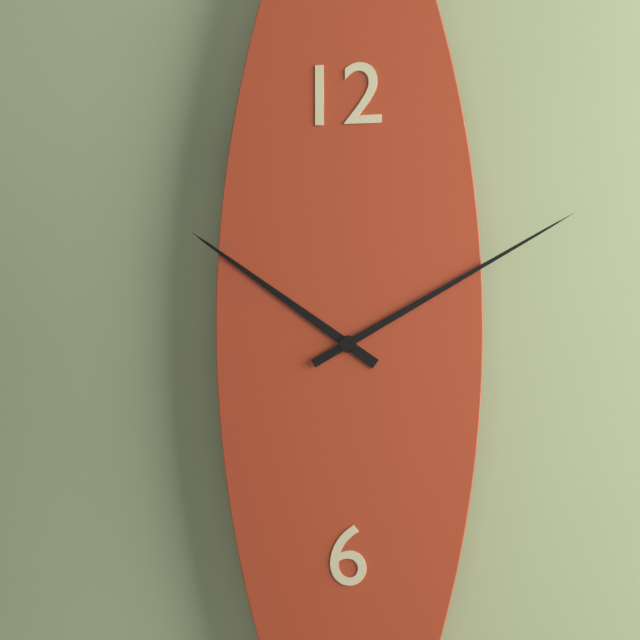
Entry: h=10 m=10
